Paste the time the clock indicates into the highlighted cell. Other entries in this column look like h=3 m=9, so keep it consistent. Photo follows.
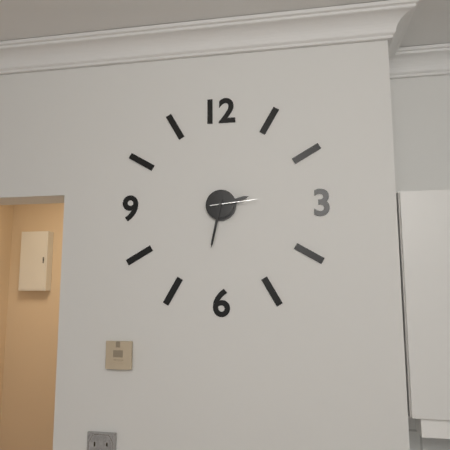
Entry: h=2 m=32
